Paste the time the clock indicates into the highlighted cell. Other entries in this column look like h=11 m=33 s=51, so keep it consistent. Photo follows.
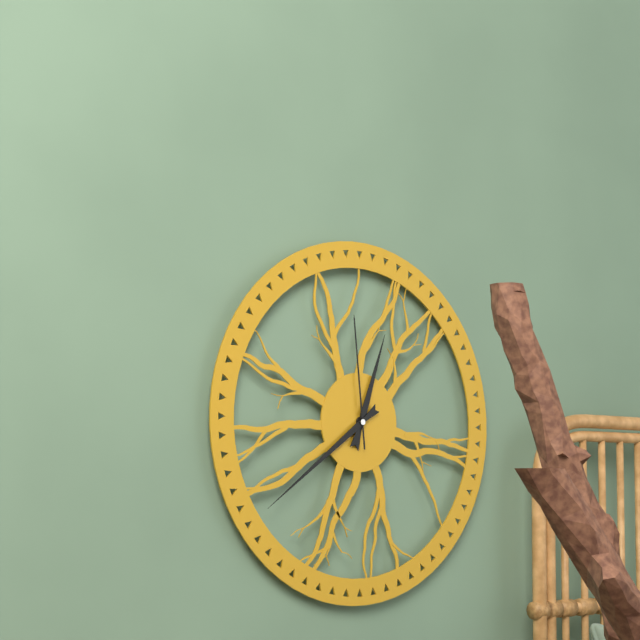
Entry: h=12 m=39 s=59
